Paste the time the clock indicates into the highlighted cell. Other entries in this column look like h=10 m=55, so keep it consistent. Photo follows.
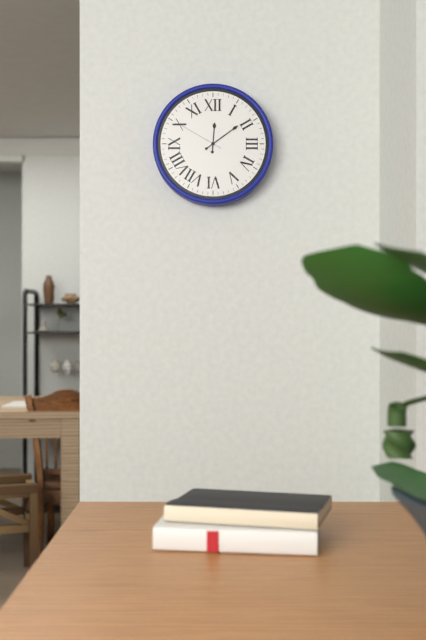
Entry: h=12 m=9
